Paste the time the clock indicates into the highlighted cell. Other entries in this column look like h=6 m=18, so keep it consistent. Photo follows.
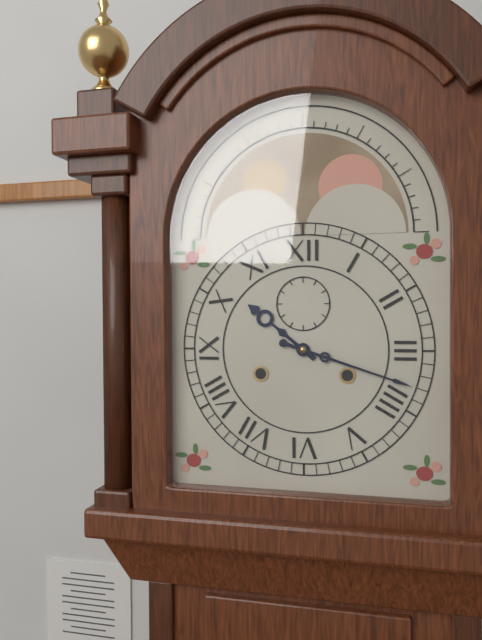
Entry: h=10 m=18
